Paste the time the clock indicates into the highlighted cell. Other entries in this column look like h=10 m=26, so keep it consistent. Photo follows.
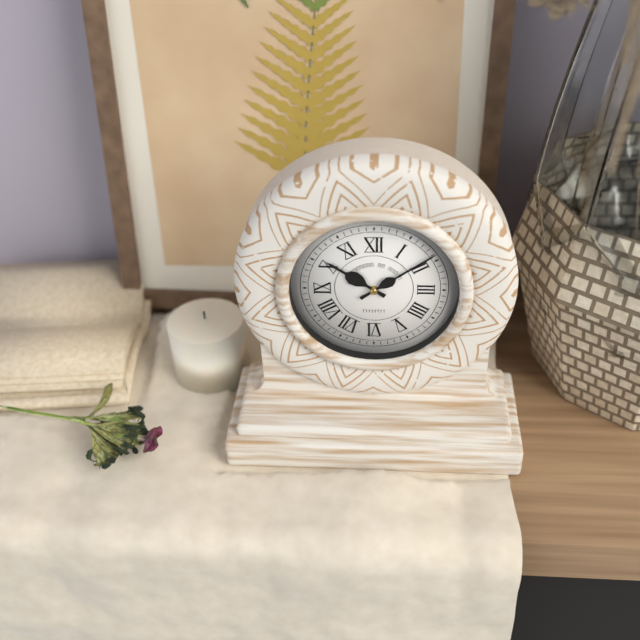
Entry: h=10 m=9
